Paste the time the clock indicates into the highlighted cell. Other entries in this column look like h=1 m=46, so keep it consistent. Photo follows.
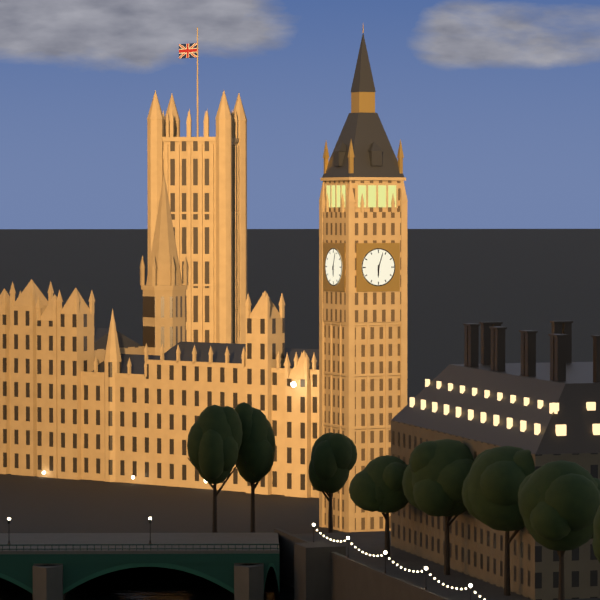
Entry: h=6 m=3
